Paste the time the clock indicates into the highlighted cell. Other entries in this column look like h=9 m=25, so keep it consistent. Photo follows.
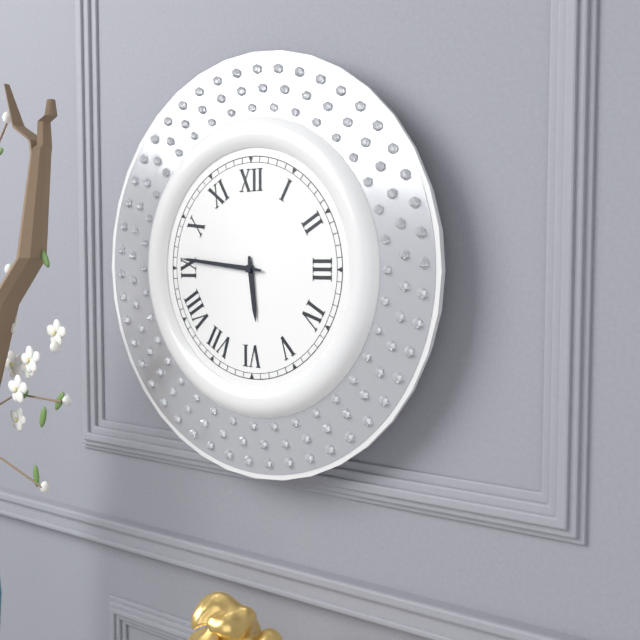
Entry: h=5 m=46
